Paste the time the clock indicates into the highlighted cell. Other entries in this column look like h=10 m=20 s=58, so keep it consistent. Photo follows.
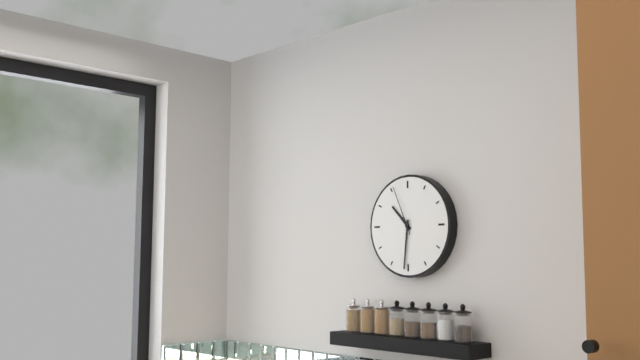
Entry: h=10 m=31 s=56
